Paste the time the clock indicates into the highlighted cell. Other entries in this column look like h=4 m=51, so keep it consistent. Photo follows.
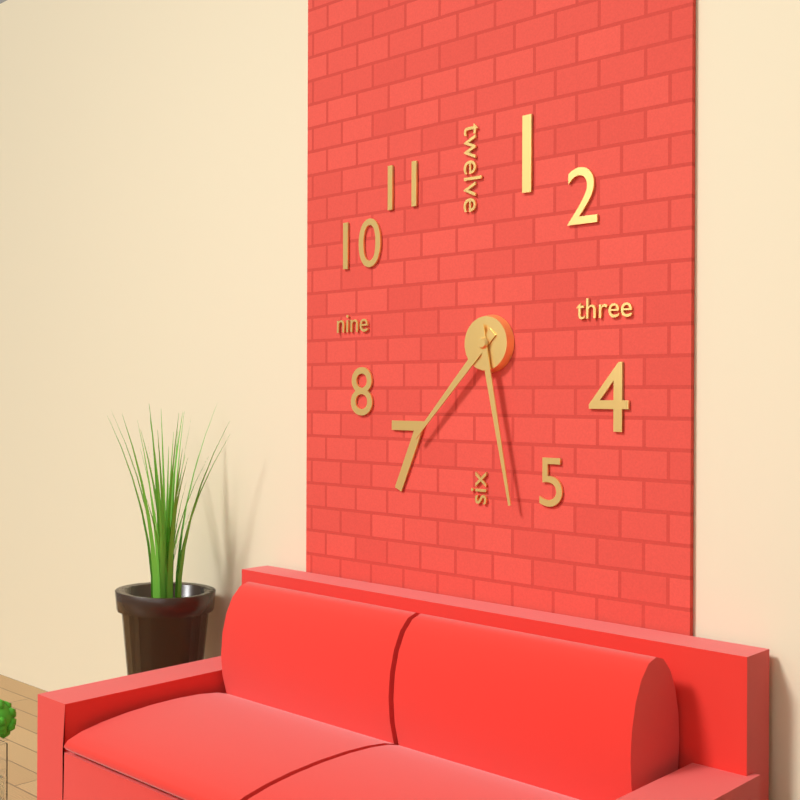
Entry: h=7 m=28
